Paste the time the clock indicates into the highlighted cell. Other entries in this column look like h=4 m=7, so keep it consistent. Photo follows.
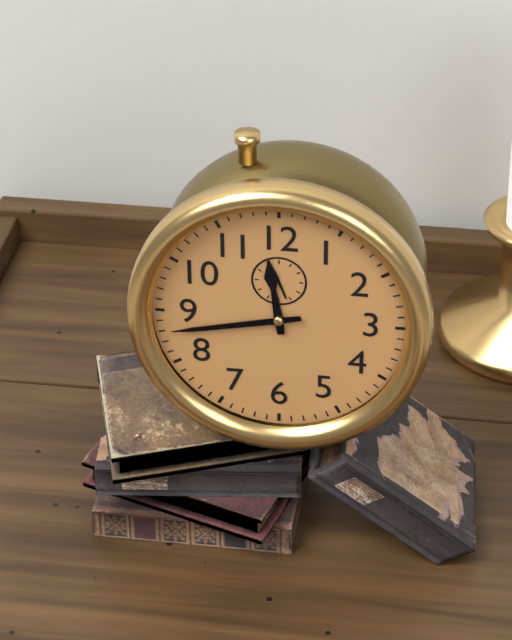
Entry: h=11 m=43
